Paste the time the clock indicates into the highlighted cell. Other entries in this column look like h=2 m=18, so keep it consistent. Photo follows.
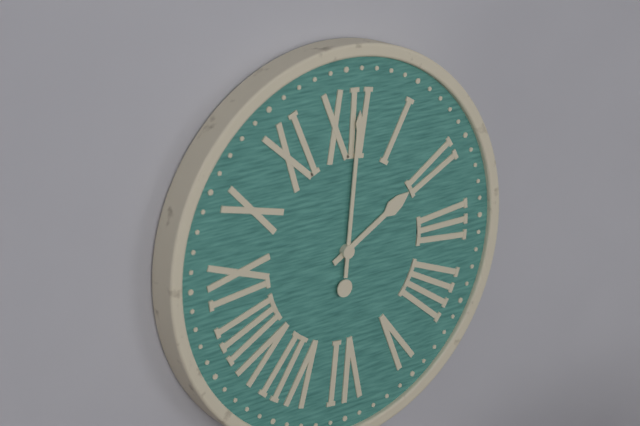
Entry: h=2 m=1
